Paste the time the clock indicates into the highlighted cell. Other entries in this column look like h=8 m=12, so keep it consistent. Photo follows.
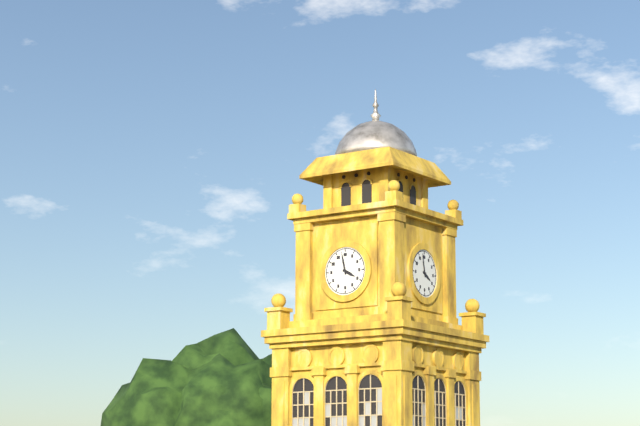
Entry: h=3 m=58
